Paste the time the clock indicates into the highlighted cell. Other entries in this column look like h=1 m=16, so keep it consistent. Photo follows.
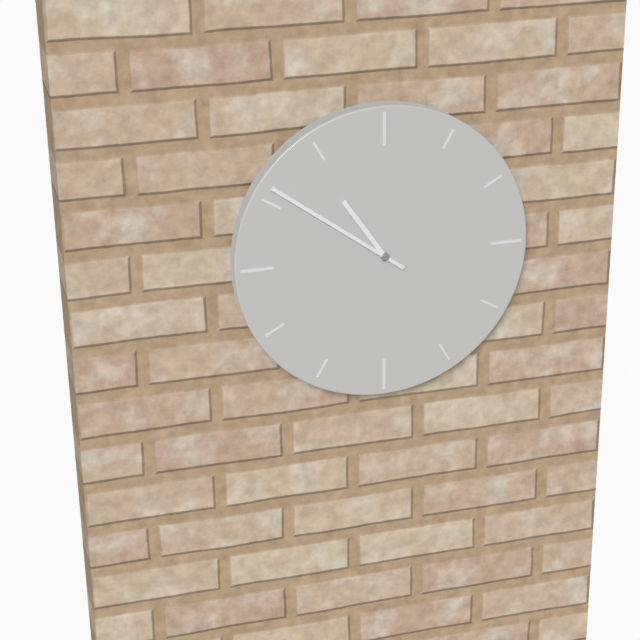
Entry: h=10 m=51
